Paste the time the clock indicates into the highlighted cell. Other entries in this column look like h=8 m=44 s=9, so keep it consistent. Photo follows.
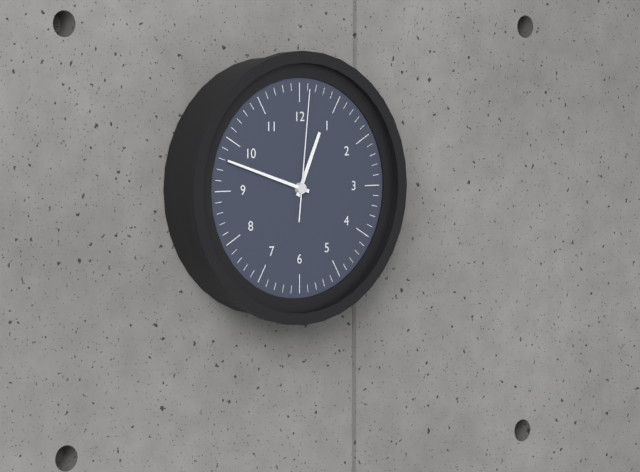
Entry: h=12 m=48 s=1
